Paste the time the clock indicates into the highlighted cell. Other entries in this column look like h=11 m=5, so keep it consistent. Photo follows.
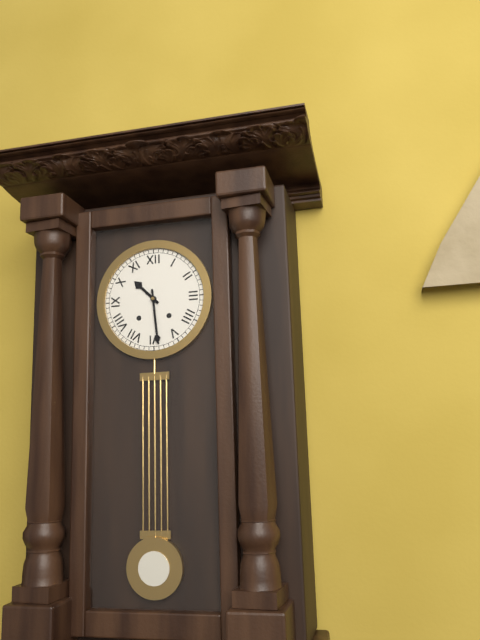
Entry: h=10 m=29
